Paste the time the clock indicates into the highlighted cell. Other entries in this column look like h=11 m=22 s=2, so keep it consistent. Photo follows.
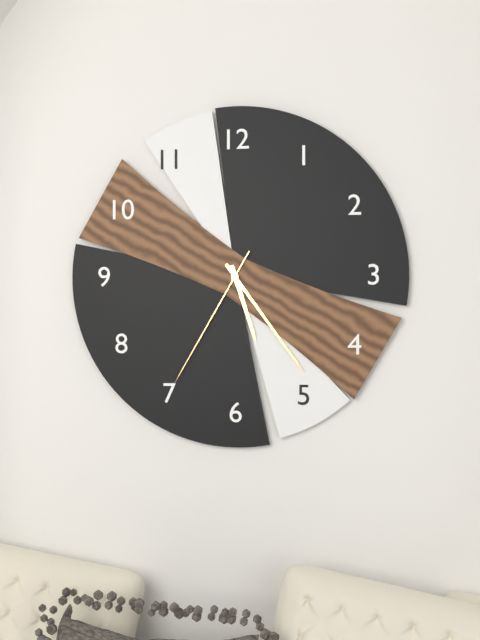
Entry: h=5 m=24 s=35
